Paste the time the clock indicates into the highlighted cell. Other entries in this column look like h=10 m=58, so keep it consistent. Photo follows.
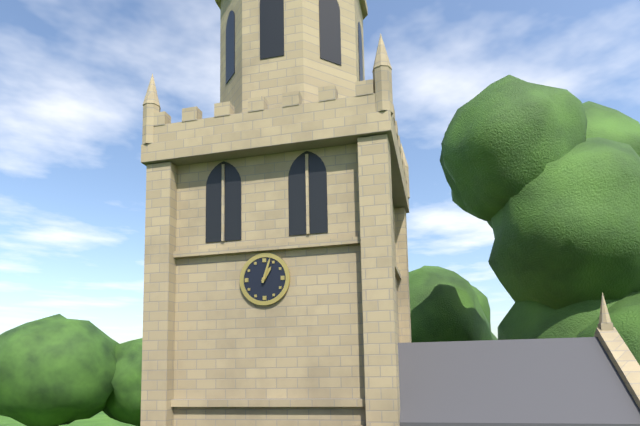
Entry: h=1 m=3
